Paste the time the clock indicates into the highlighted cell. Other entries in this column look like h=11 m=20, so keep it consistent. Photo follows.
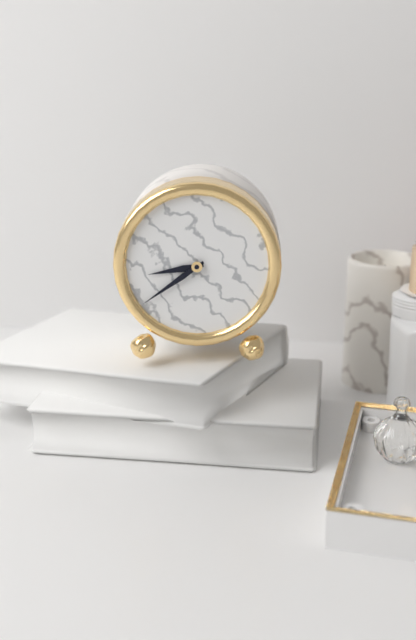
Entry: h=8 m=39
